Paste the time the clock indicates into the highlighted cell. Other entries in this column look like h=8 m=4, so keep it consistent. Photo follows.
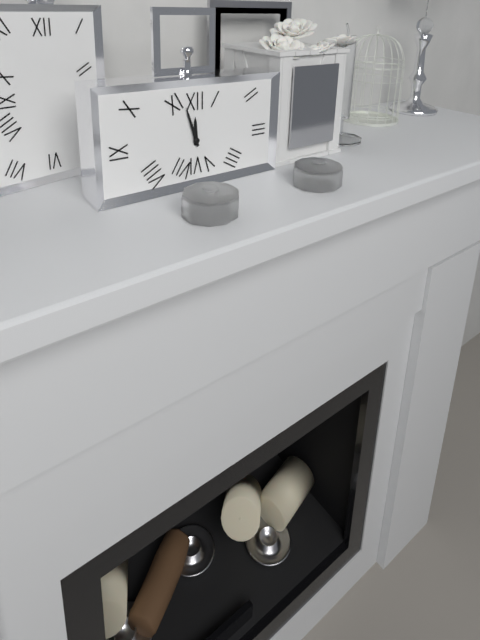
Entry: h=11 m=57
